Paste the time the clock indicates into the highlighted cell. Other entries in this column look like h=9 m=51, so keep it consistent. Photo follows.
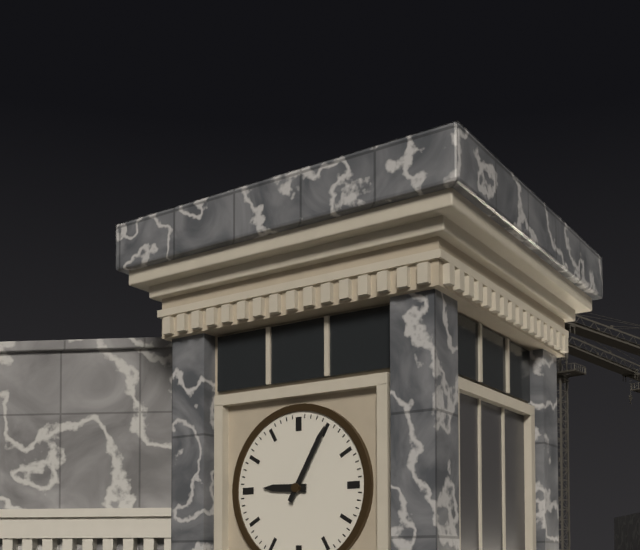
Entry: h=9 m=5
